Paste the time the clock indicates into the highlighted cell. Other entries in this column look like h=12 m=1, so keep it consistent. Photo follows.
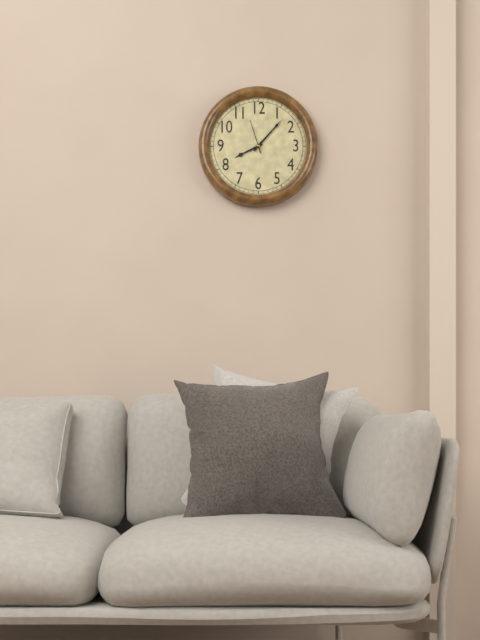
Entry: h=8 m=7
